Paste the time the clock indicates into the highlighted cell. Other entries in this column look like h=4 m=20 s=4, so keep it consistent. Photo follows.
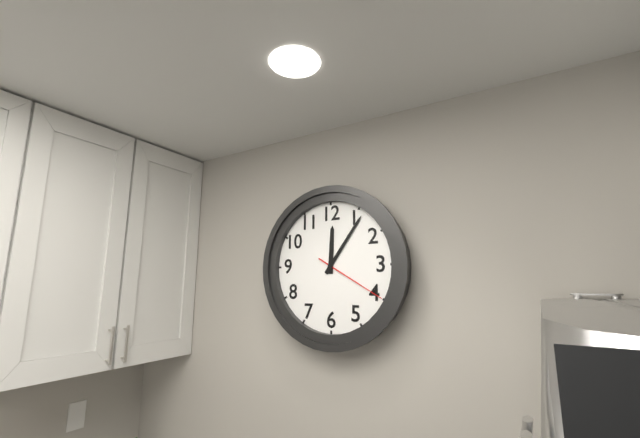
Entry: h=12 m=6 s=20
